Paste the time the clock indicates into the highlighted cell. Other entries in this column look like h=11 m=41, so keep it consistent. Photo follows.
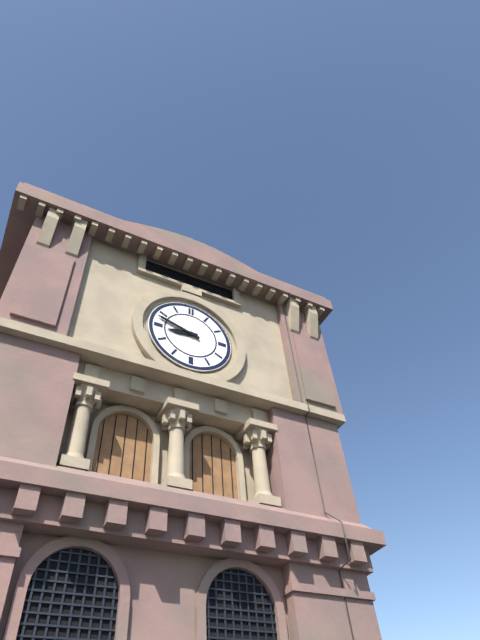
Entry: h=8 m=48
